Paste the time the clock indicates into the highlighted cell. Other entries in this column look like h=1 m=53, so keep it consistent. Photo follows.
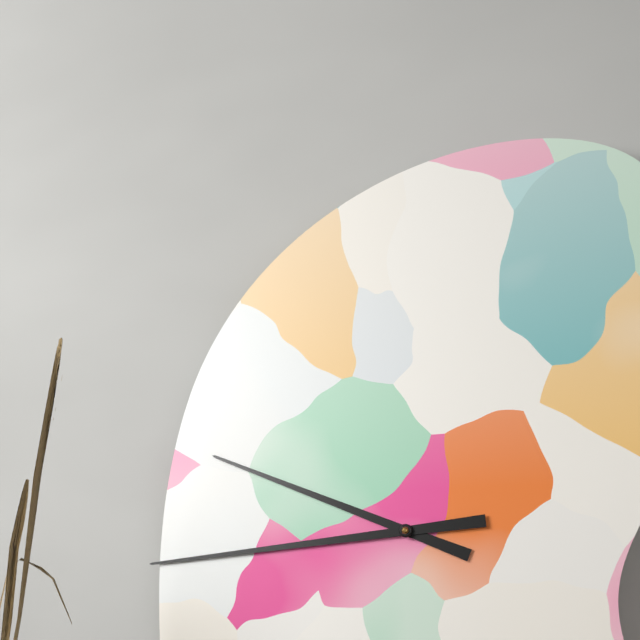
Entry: h=9 m=44
